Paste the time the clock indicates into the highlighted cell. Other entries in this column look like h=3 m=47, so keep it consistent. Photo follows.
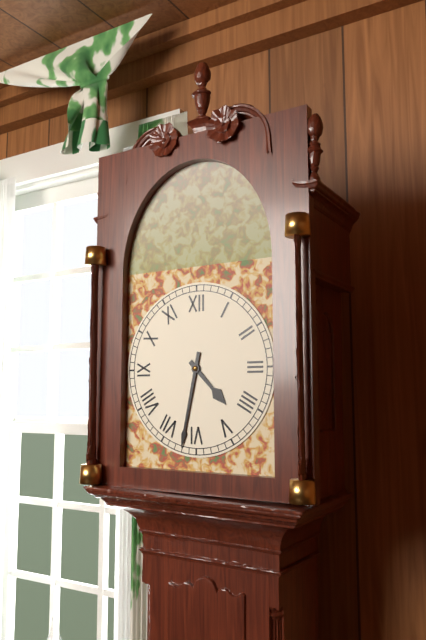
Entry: h=4 m=32
